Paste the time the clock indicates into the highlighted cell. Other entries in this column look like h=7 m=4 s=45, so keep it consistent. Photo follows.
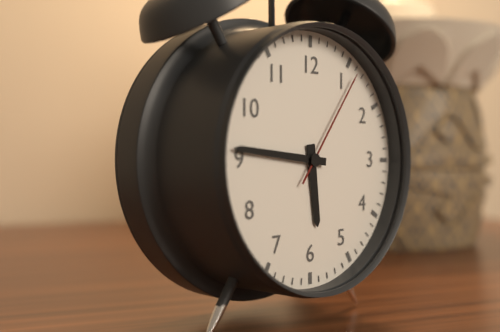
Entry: h=5 m=46 s=6
